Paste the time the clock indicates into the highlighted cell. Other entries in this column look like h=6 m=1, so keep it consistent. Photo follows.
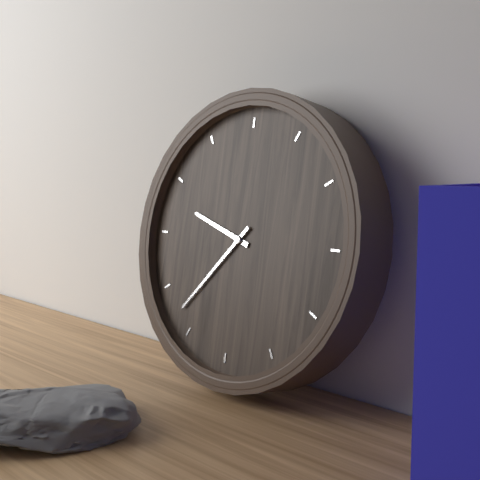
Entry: h=9 m=37
